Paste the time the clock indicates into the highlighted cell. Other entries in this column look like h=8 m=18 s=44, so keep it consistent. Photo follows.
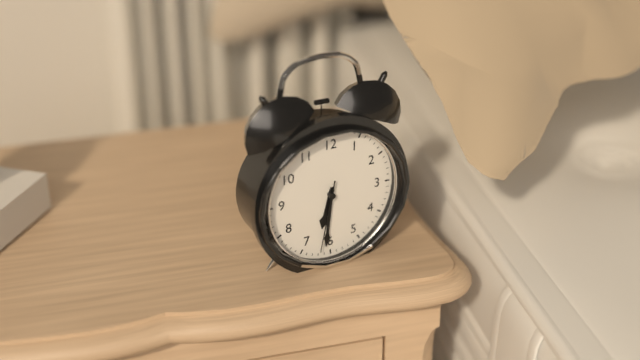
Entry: h=6 m=31 s=32
